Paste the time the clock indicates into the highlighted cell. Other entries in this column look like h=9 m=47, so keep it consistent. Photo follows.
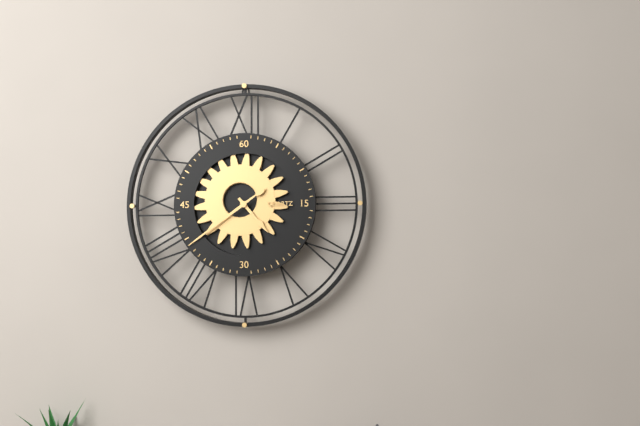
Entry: h=4 m=39
